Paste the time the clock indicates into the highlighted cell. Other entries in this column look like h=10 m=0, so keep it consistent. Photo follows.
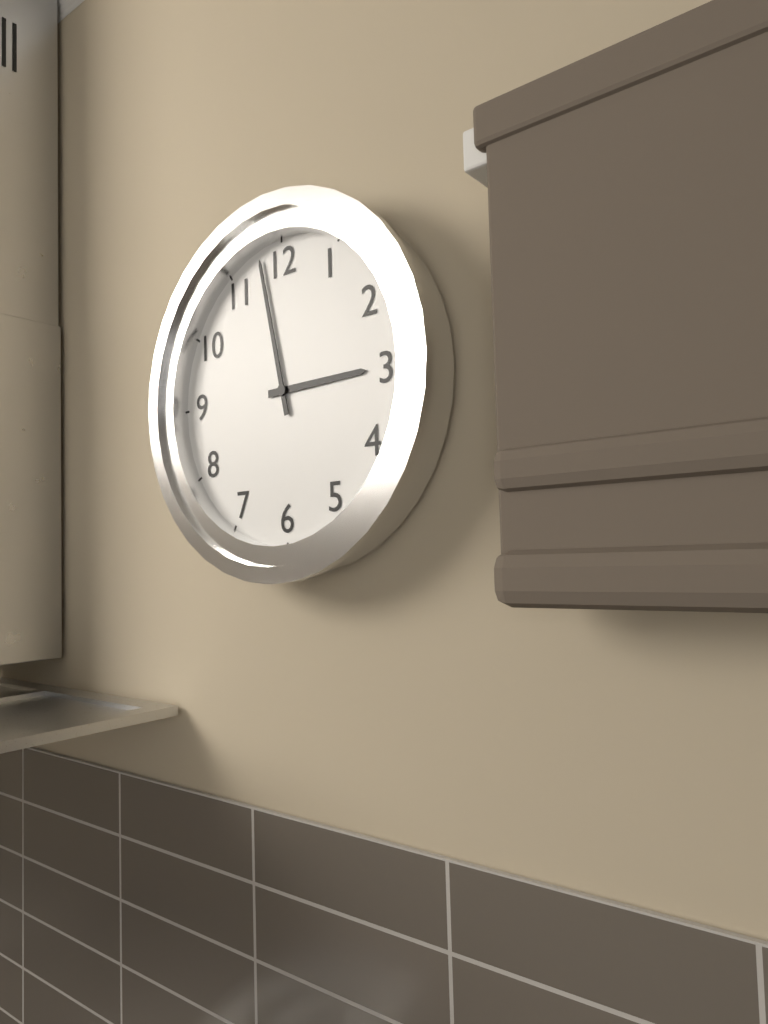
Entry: h=2 m=58
